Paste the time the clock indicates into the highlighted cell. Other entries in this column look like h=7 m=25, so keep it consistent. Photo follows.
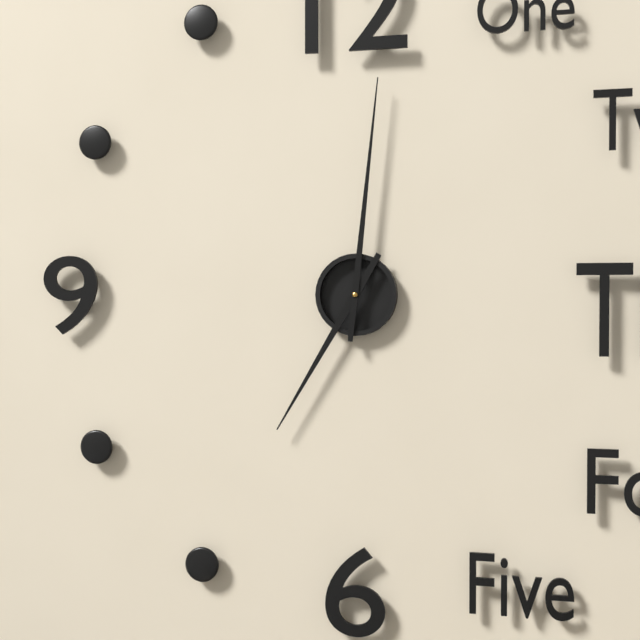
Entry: h=7 m=1
